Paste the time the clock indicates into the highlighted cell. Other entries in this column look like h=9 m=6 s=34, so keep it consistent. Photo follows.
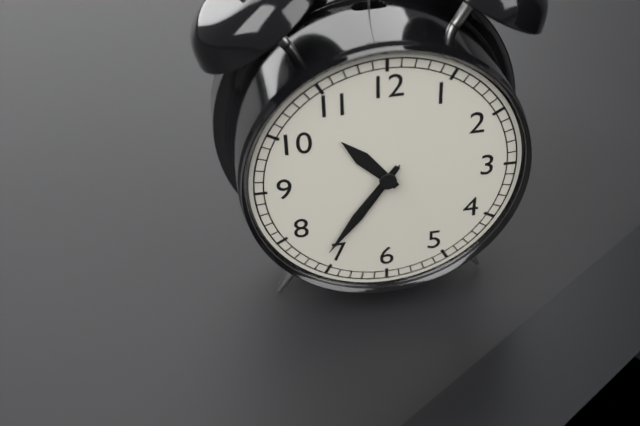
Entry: h=10 m=36 s=36
